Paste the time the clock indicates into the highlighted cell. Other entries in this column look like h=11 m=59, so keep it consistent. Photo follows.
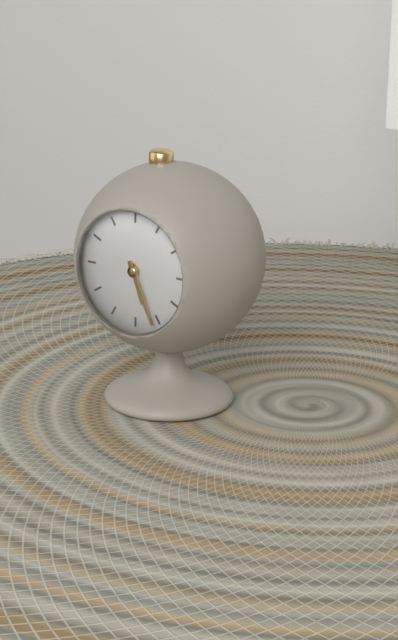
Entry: h=5 m=26
